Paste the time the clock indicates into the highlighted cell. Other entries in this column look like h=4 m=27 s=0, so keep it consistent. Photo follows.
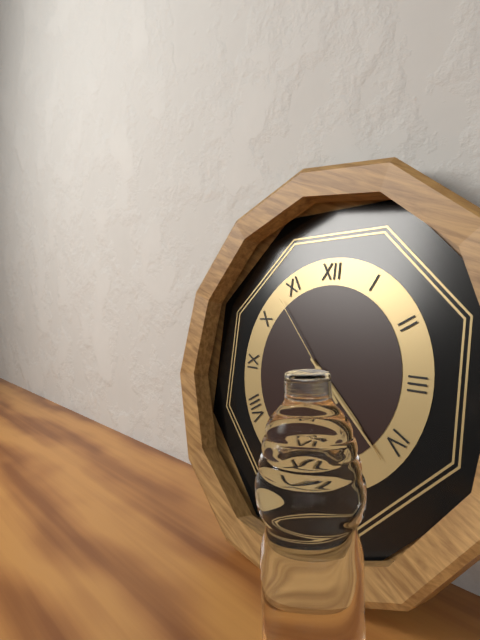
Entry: h=4 m=22 s=53
